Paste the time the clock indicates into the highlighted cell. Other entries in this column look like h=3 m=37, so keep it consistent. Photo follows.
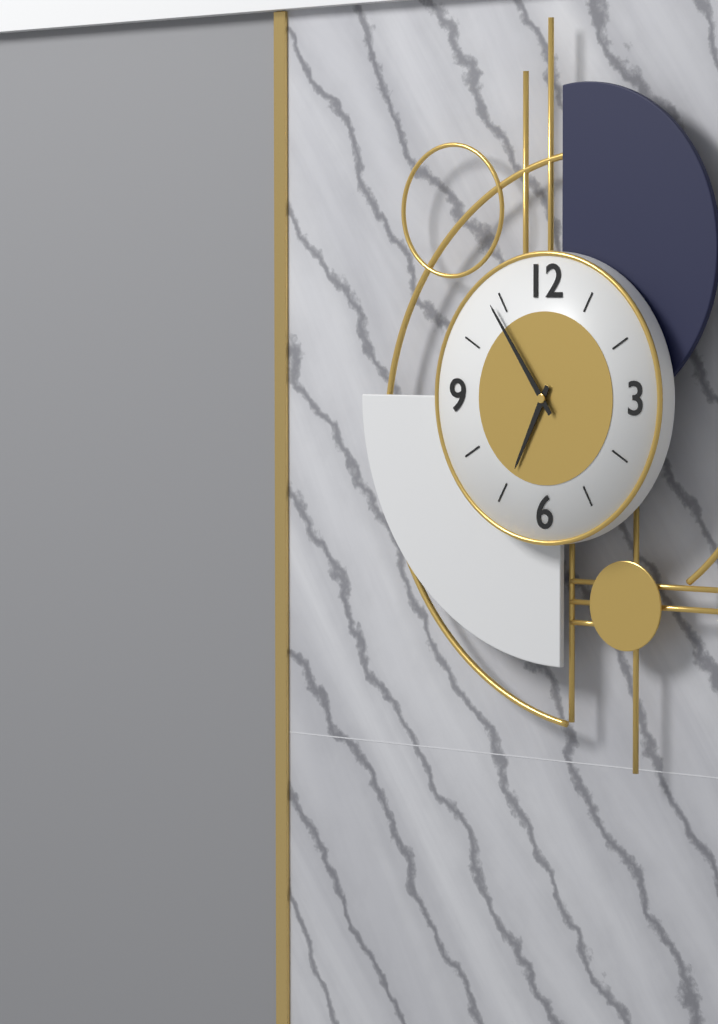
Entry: h=6 m=54
